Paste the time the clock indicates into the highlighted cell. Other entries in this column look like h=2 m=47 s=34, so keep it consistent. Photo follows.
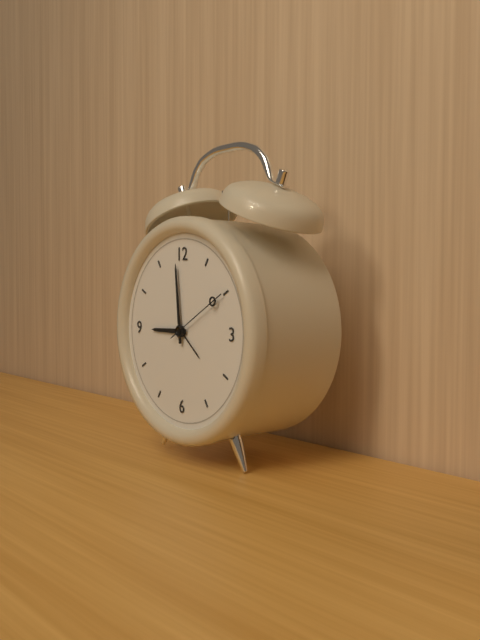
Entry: h=8 m=59 s=10
